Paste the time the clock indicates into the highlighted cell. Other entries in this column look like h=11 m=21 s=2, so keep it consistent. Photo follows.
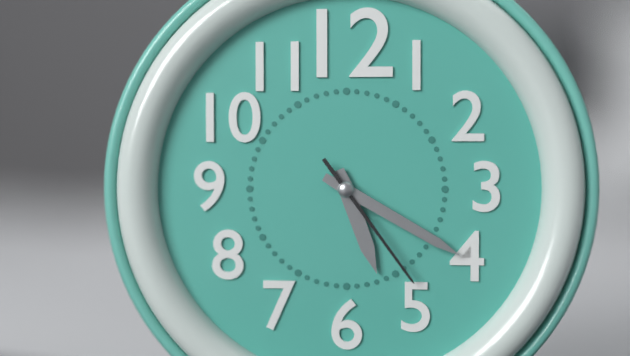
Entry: h=5 m=20 s=24
